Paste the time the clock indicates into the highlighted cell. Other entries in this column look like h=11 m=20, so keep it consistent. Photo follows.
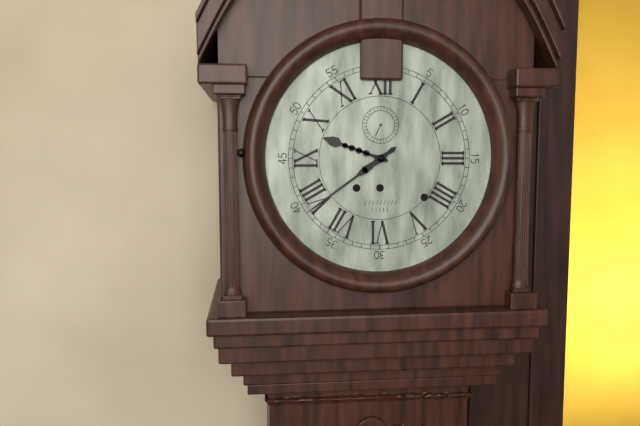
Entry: h=9 m=39
